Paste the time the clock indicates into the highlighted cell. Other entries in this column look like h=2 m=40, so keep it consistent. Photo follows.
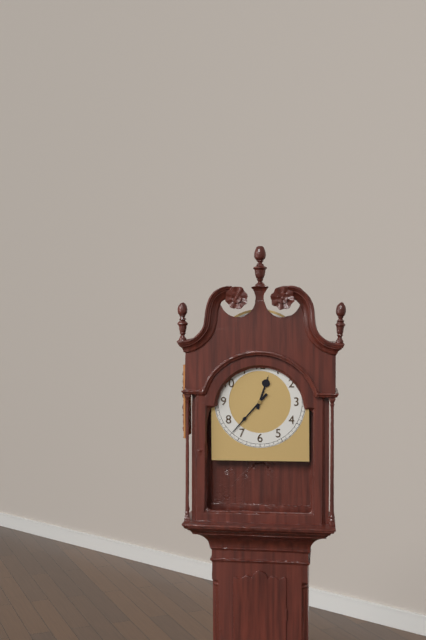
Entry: h=12 m=37
